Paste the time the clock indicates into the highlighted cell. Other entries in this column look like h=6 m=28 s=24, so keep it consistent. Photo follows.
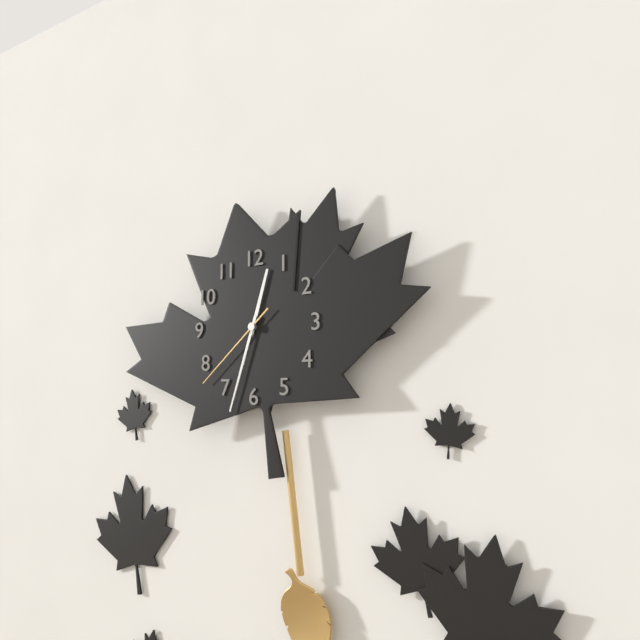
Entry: h=12 m=33 s=38
